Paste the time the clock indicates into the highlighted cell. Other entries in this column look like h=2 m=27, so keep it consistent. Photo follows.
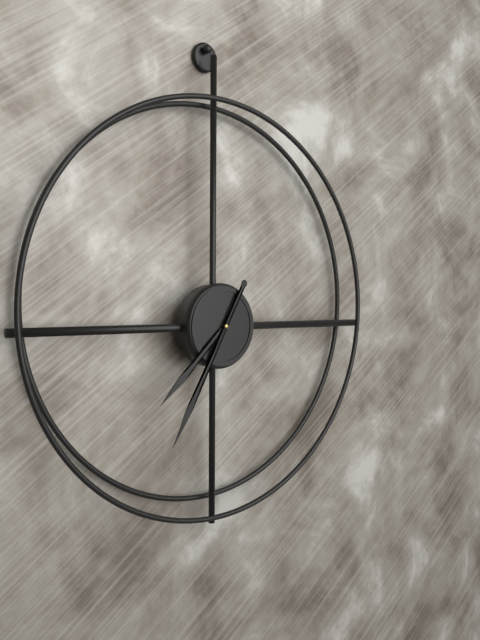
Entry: h=7 m=35
